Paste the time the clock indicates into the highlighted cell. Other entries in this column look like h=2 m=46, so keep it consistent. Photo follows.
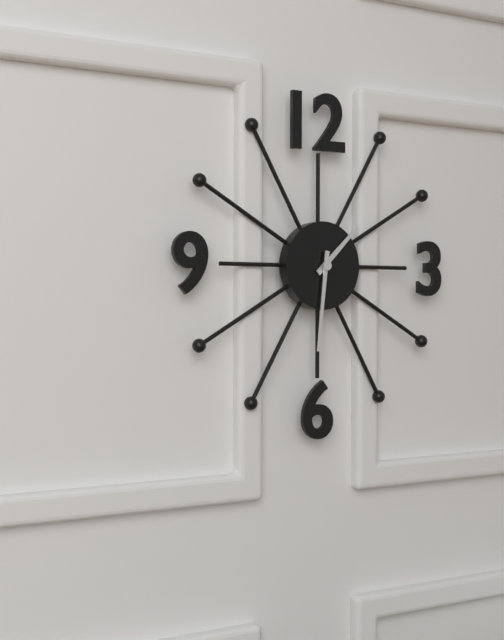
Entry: h=1 m=31
